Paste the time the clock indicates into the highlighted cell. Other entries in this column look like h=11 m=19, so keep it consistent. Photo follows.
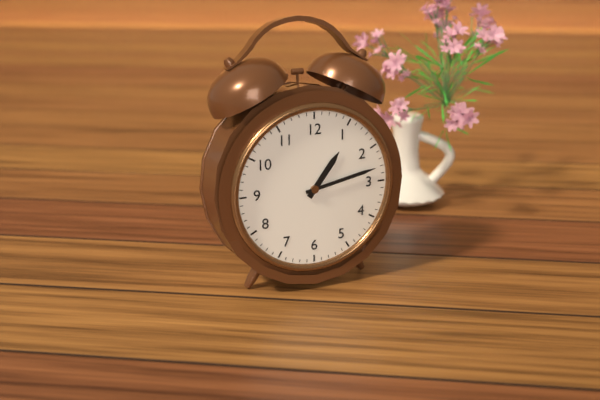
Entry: h=1 m=13
